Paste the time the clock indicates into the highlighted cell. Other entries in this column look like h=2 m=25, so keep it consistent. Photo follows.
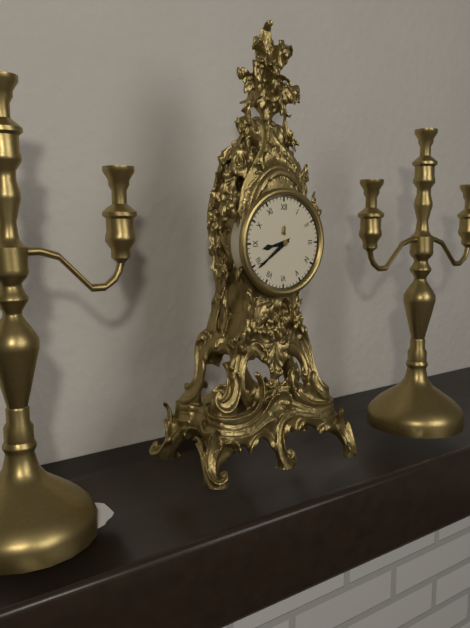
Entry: h=8 m=39
